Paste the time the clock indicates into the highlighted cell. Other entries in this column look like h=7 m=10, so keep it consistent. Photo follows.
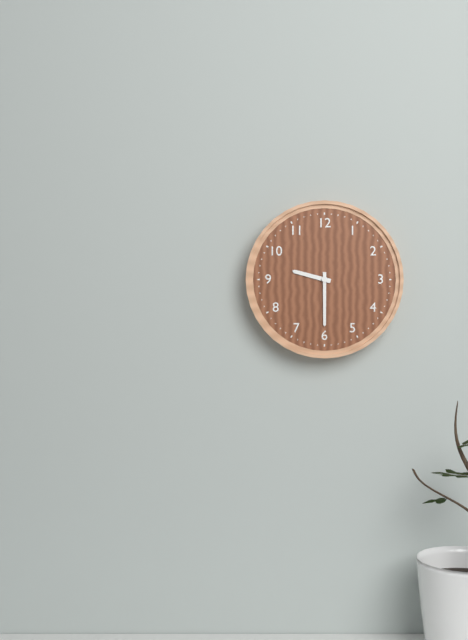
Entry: h=9 m=30
